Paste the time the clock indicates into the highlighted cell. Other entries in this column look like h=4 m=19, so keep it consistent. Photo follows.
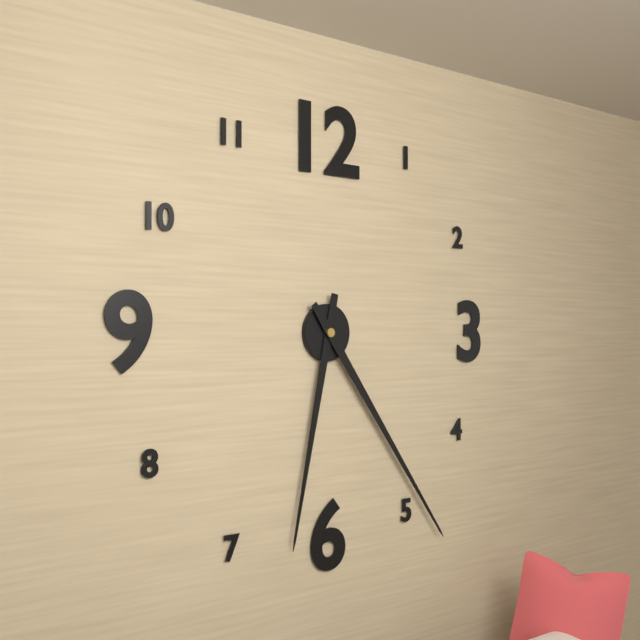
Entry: h=6 m=24
